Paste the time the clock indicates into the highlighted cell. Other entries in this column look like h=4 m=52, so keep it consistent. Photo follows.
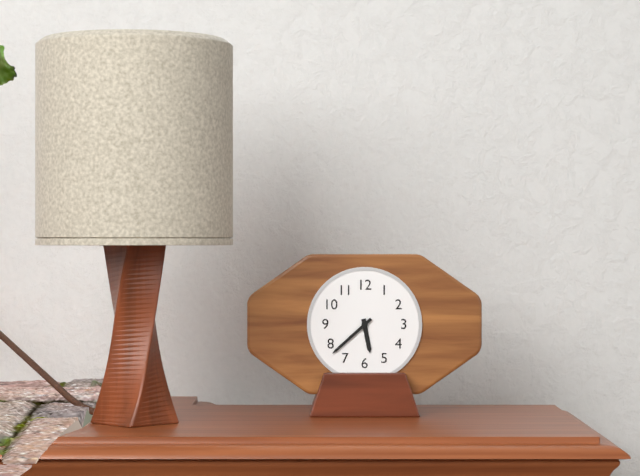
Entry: h=5 m=38
